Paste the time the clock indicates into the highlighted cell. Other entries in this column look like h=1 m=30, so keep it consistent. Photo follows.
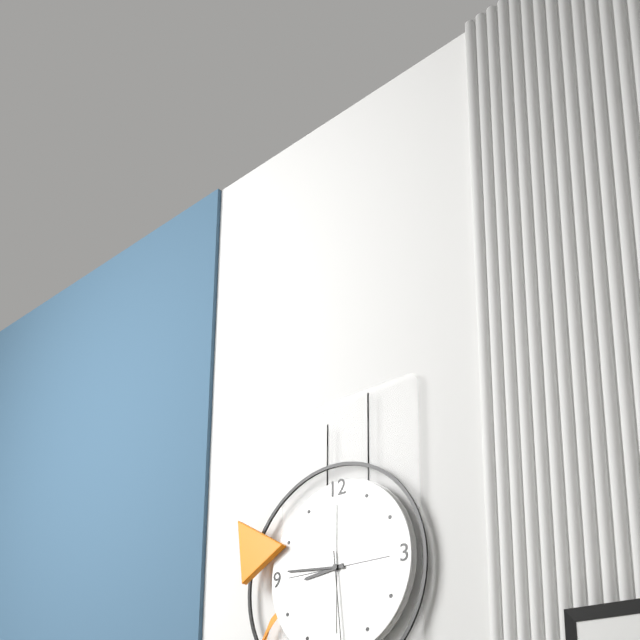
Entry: h=8 m=46
